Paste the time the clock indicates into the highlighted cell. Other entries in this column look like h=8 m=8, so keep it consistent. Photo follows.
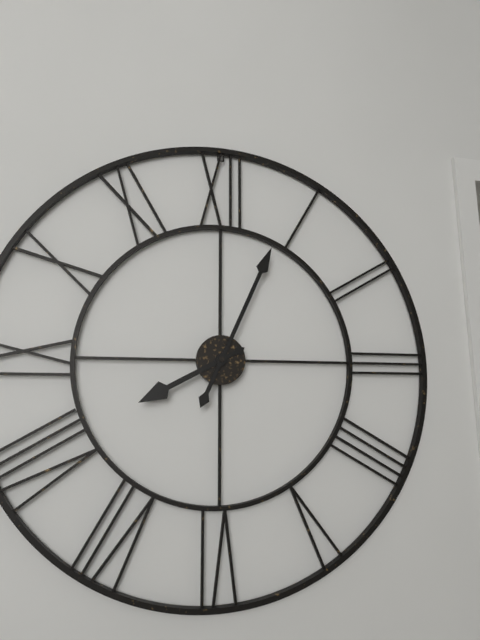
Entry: h=8 m=4
